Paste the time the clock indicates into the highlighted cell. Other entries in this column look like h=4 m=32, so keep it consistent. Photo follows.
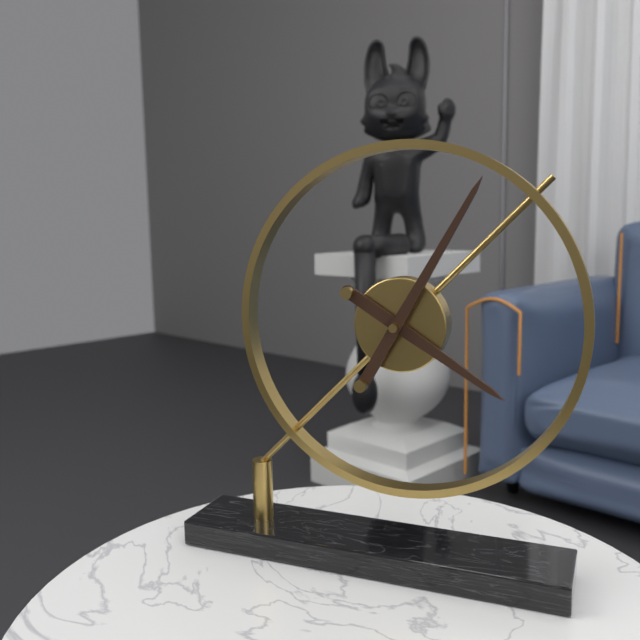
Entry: h=4 m=5
